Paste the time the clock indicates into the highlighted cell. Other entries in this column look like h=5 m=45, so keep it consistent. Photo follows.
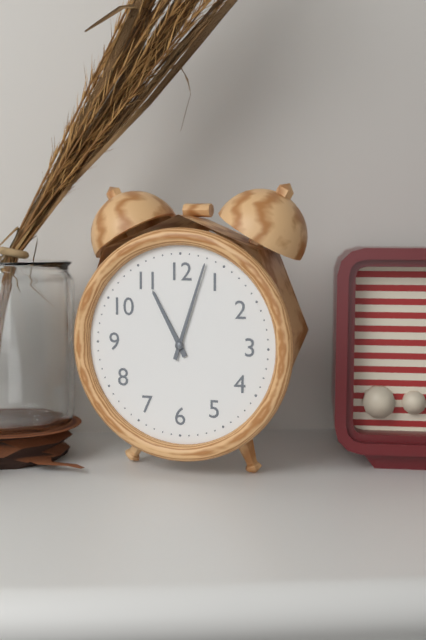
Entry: h=11 m=3
